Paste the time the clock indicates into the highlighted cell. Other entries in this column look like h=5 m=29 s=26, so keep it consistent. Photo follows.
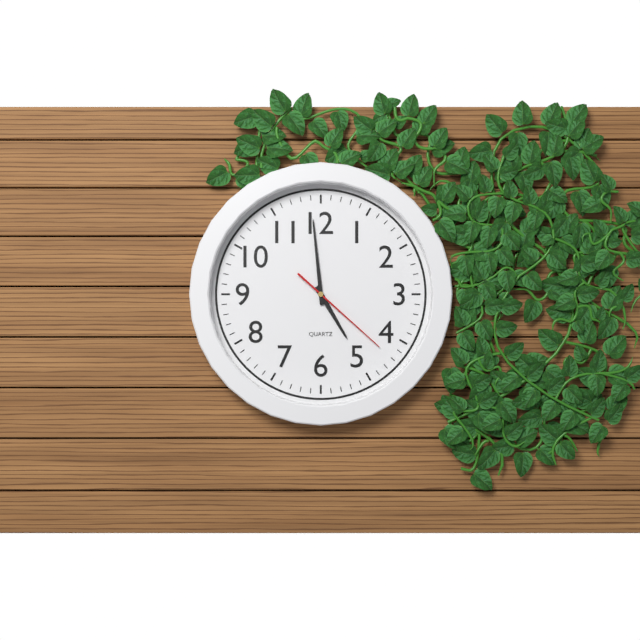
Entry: h=4 m=59 s=22
